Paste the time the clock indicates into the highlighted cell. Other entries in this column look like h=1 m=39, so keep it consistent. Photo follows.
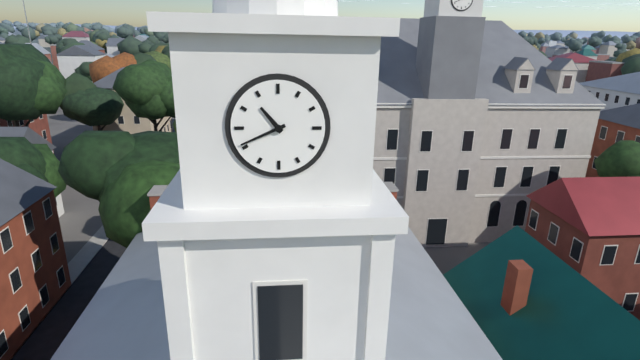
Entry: h=10 m=41
